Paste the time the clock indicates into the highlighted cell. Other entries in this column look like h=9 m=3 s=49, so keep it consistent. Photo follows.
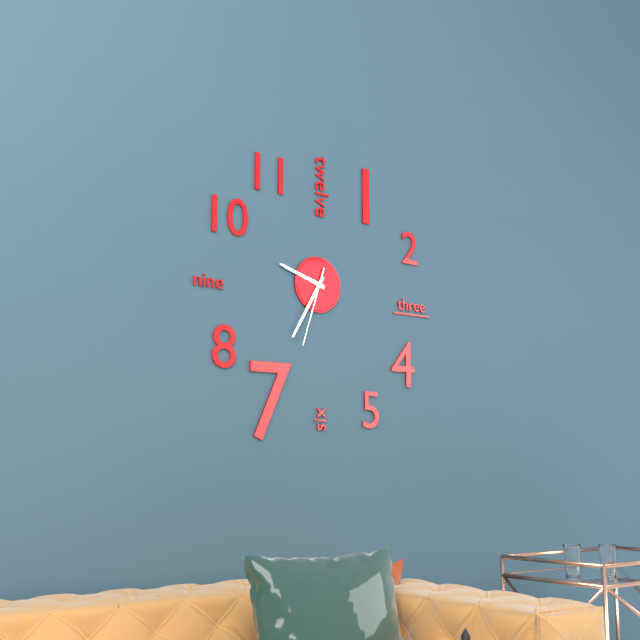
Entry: h=9 m=35 s=33
